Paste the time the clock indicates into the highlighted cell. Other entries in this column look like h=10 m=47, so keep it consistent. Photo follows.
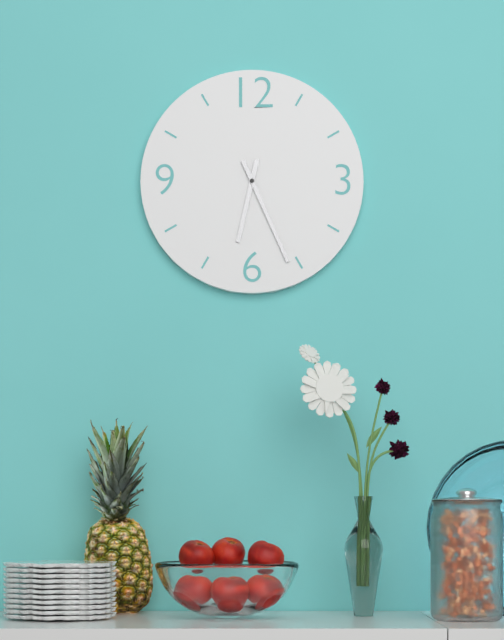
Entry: h=6 m=26
